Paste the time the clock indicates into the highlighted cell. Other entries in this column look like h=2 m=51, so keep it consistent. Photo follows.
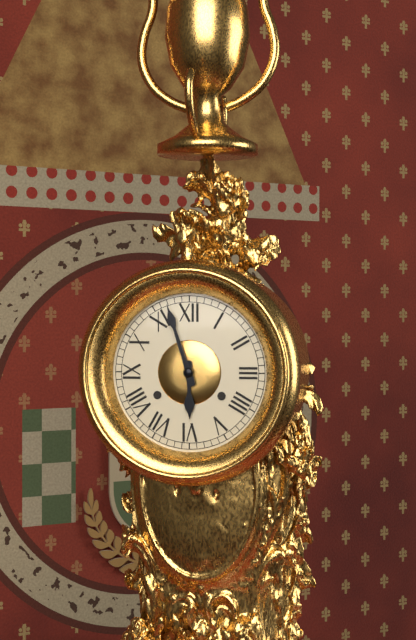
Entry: h=5 m=57
